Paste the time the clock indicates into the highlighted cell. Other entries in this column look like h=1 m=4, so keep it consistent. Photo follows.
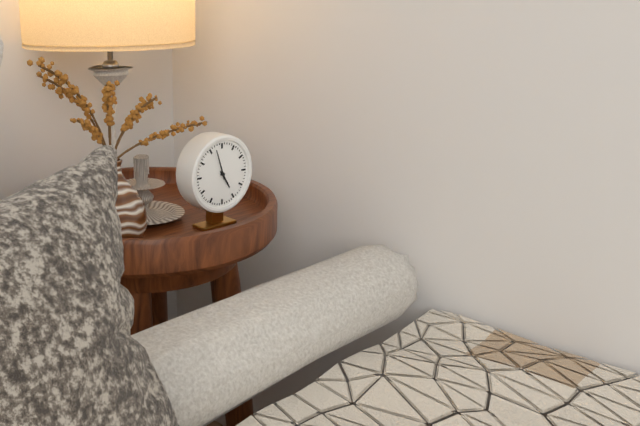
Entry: h=4 m=57
